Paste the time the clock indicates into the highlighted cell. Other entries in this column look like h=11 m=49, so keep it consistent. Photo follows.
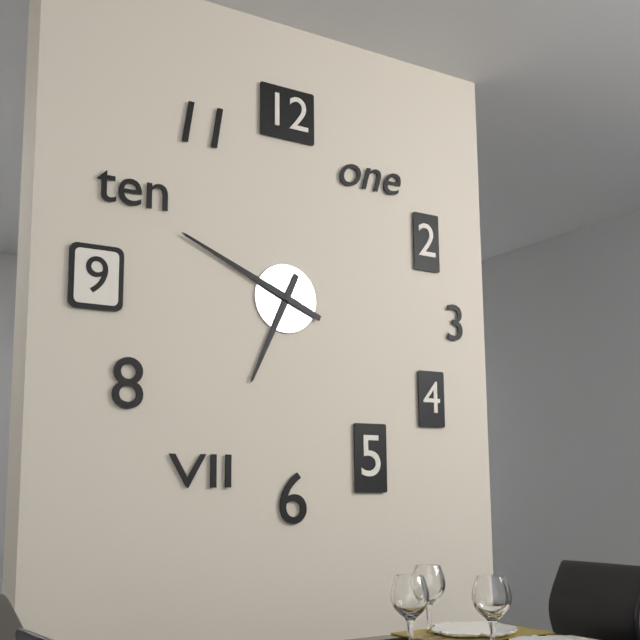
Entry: h=6 m=49
